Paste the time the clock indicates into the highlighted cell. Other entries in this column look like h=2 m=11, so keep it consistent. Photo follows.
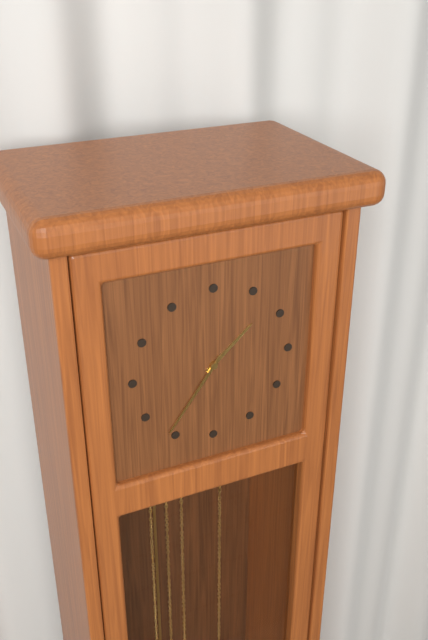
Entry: h=1 m=36
